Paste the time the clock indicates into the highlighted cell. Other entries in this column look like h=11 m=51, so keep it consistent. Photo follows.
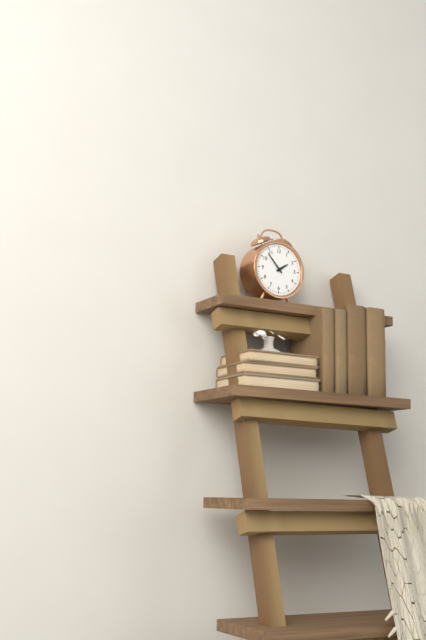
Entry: h=1 m=53
